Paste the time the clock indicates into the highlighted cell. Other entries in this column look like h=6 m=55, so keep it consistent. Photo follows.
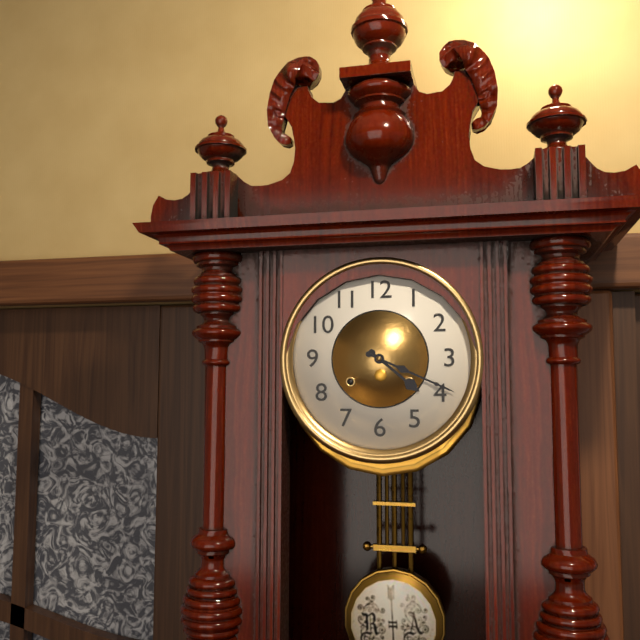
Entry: h=4 m=19
